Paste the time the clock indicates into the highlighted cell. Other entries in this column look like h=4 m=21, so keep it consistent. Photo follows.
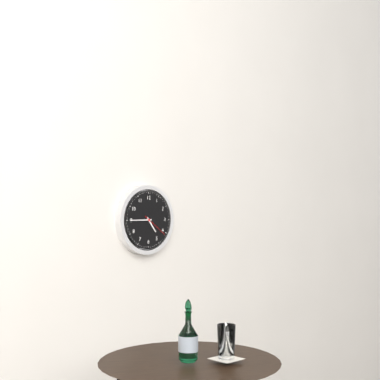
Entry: h=4 m=45
